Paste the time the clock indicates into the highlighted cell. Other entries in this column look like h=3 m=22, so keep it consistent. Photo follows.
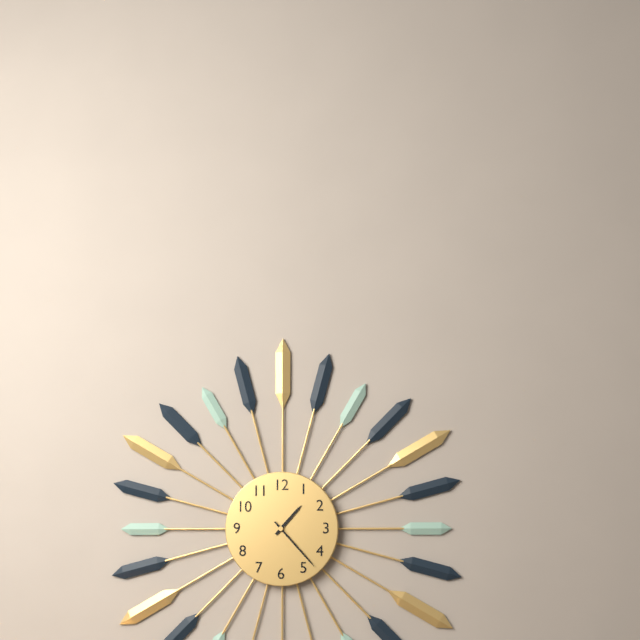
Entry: h=1 m=23
